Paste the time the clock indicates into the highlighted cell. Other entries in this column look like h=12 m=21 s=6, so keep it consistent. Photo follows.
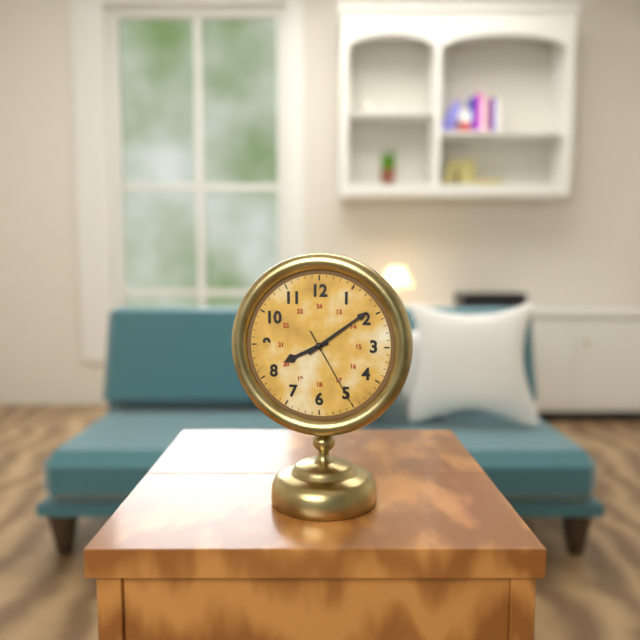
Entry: h=8 m=9 s=25
